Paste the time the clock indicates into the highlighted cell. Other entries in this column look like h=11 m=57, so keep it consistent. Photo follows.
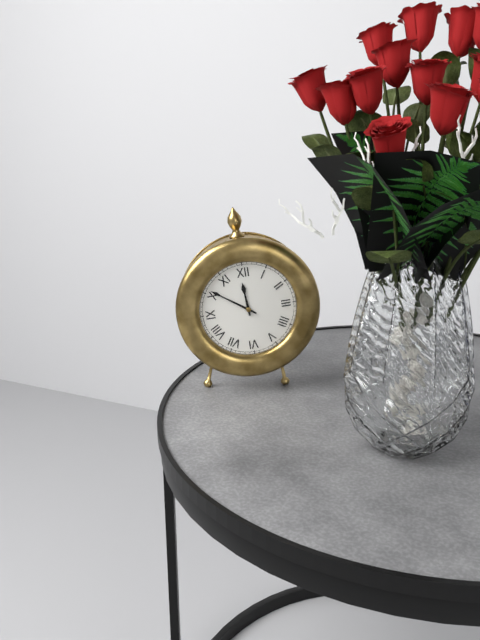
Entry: h=11 m=51
